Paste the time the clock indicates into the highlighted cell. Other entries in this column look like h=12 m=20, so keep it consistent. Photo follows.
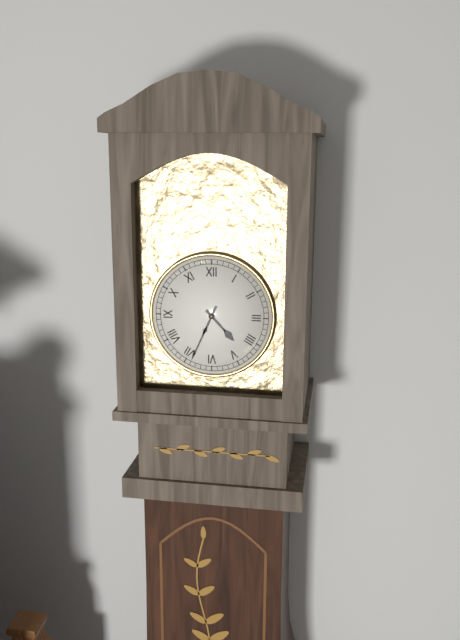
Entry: h=4 m=34
